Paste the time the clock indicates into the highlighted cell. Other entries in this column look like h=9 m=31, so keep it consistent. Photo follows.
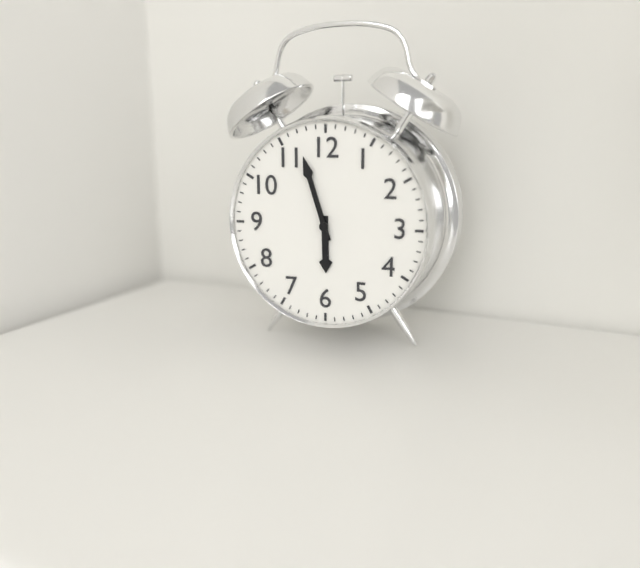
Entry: h=5 m=57
